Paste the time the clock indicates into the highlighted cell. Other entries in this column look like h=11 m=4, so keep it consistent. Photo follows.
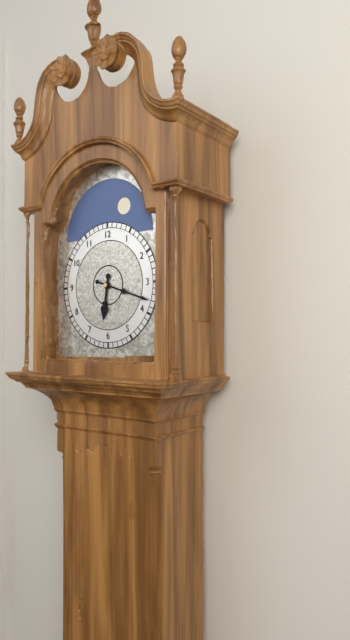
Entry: h=6 m=18
